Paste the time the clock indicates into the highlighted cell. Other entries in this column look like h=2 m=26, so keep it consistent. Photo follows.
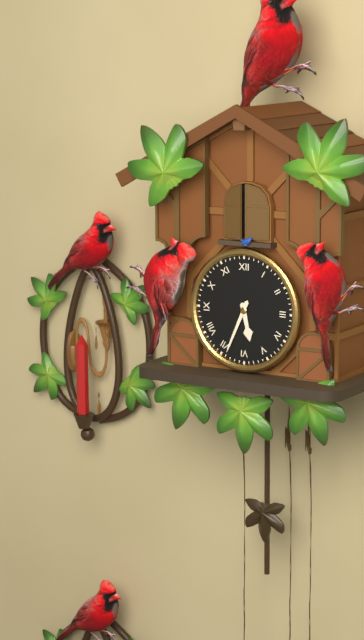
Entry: h=5 m=34
